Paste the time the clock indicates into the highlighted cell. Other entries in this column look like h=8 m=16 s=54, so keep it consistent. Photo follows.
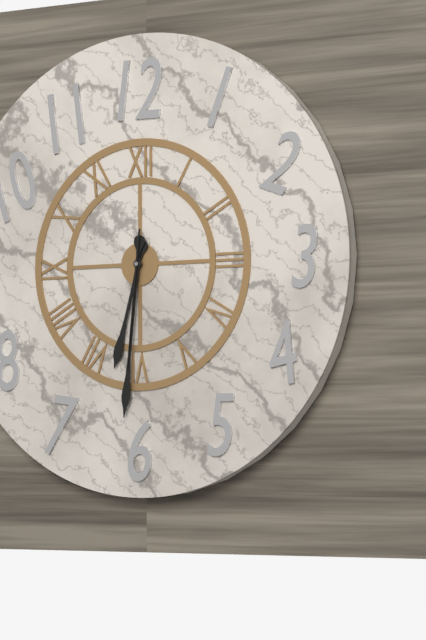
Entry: h=6 m=31 s=31
